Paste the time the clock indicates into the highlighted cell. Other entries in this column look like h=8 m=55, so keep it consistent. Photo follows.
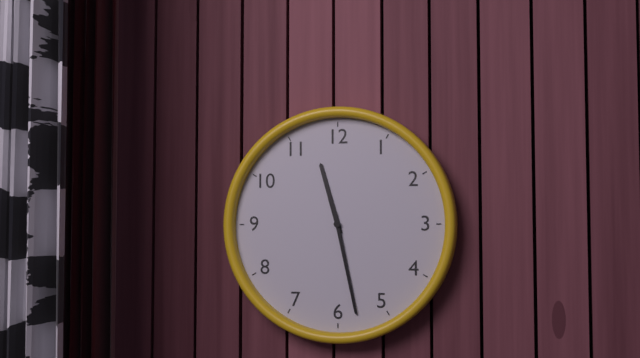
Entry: h=11 m=28
